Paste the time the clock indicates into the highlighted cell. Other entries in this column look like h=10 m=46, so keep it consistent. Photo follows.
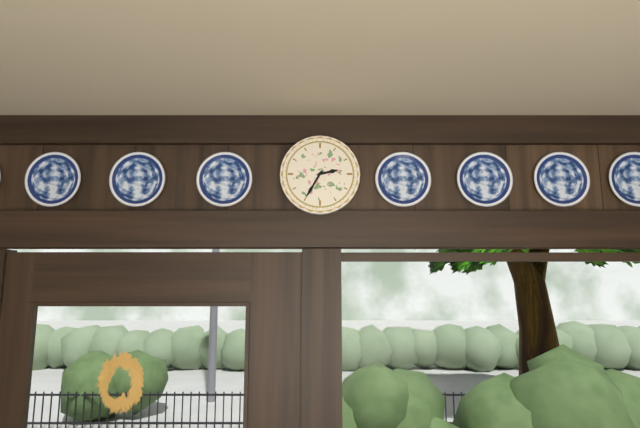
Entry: h=2 m=35
